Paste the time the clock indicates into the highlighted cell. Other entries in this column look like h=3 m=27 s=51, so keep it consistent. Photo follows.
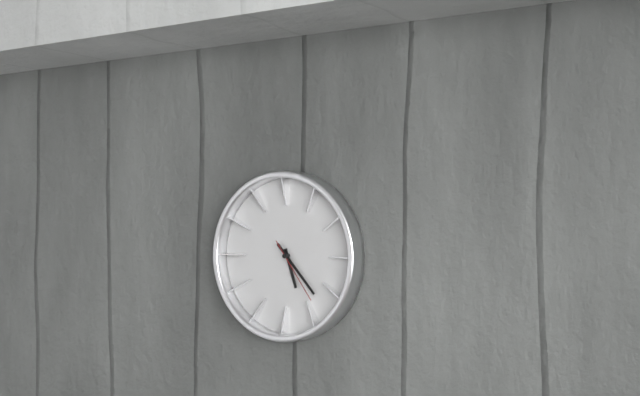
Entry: h=5 m=23 s=24
